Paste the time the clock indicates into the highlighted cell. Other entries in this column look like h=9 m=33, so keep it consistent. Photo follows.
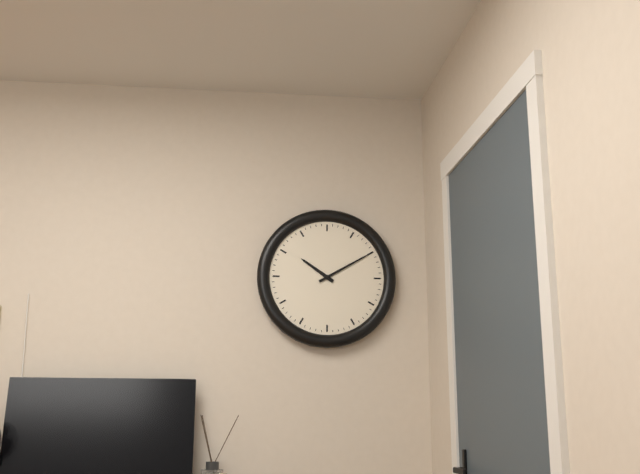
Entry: h=10 m=10
